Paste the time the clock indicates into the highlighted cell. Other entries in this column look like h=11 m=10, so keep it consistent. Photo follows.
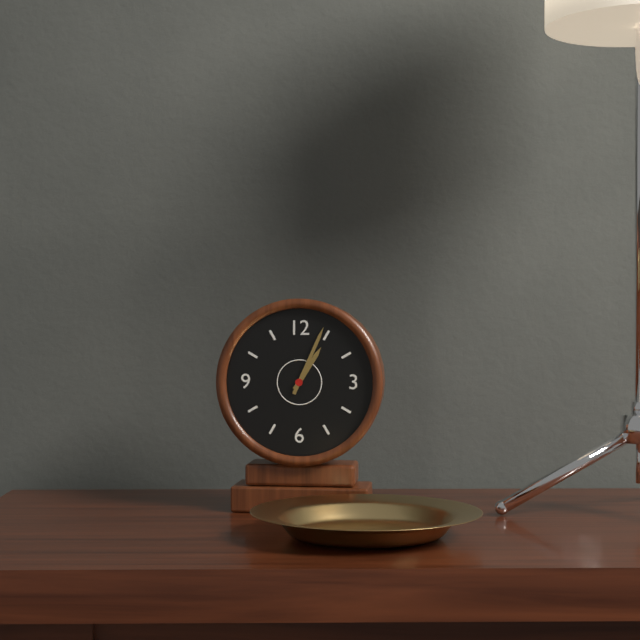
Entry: h=1 m=4
